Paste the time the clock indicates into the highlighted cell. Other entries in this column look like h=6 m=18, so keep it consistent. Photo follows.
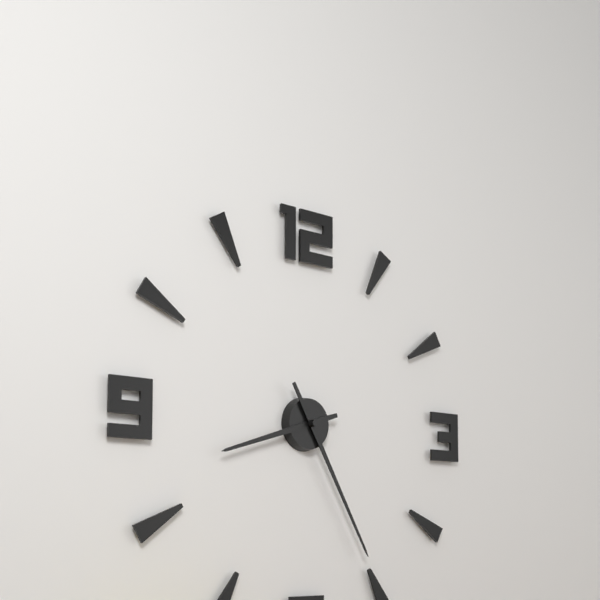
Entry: h=8 m=25
